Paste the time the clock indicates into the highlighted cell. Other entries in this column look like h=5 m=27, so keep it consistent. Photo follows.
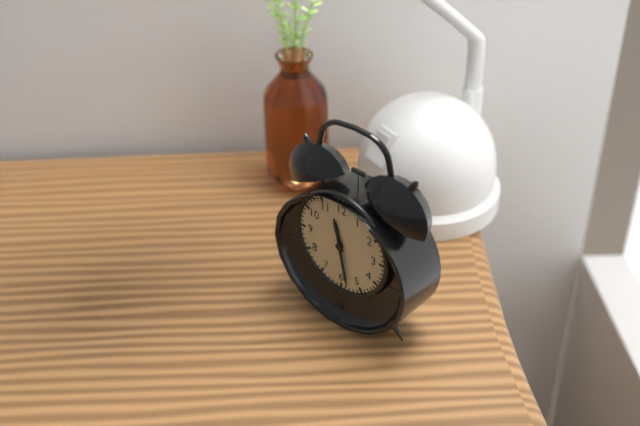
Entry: h=11 m=28
